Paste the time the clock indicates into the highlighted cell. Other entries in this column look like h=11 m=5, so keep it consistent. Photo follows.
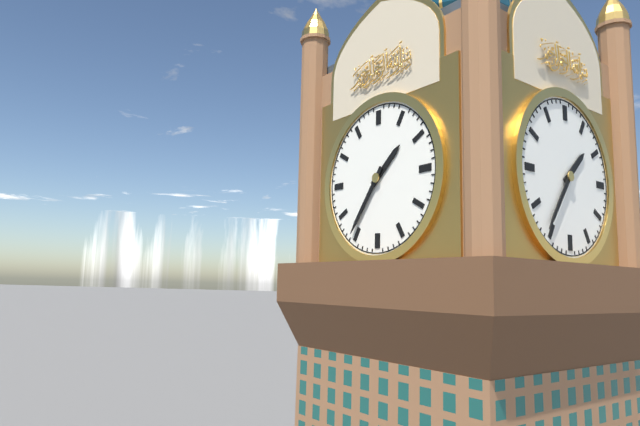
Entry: h=1 m=36
